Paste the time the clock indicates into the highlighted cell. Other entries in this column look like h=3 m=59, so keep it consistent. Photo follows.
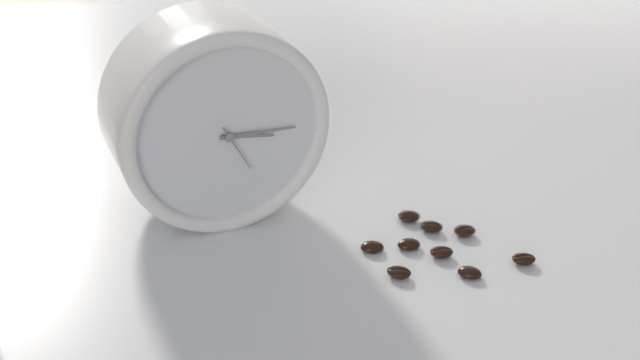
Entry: h=3 m=15
